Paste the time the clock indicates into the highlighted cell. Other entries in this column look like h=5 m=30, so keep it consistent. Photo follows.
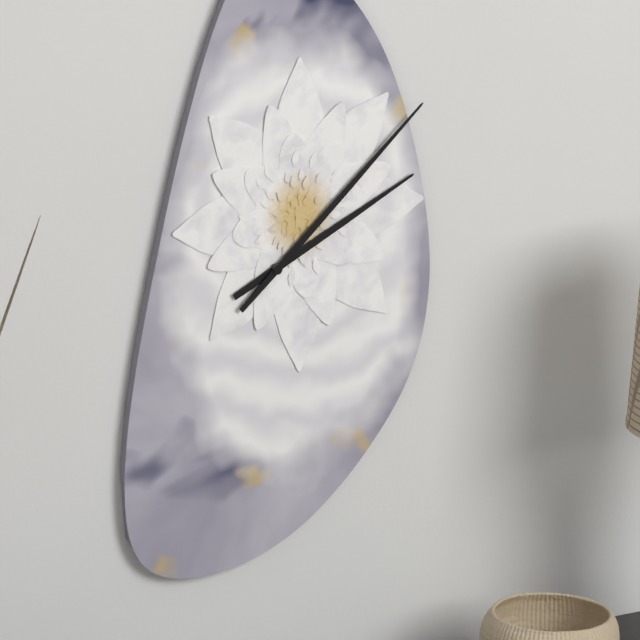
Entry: h=2 m=8
